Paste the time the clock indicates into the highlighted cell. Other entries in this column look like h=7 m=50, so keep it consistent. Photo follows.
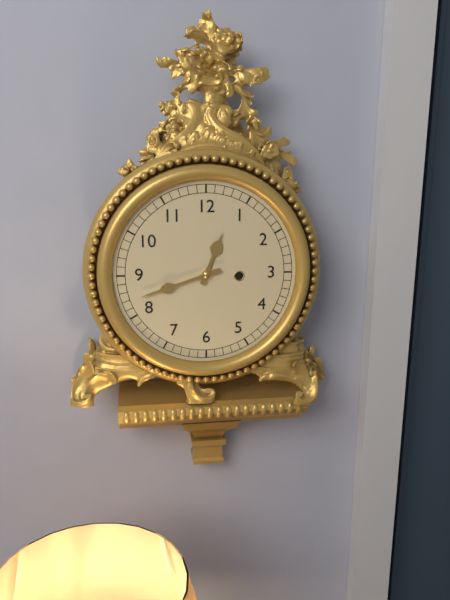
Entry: h=12 m=42
